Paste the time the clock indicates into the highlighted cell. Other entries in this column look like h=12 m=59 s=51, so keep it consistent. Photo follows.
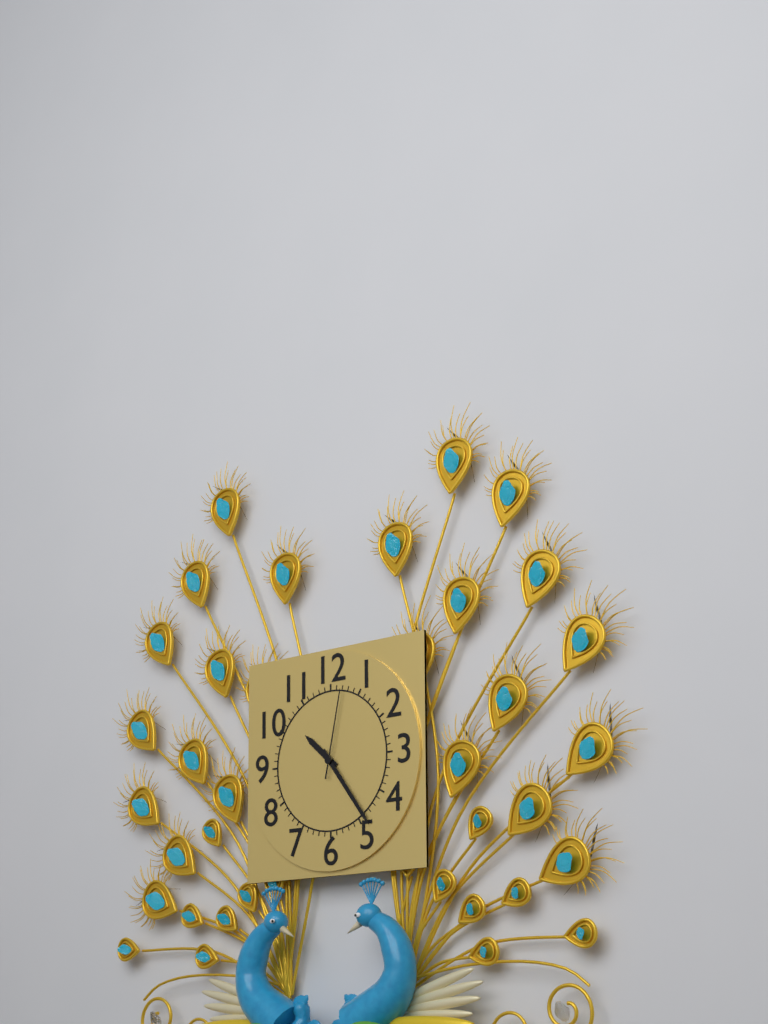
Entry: h=10 m=24 s=2
